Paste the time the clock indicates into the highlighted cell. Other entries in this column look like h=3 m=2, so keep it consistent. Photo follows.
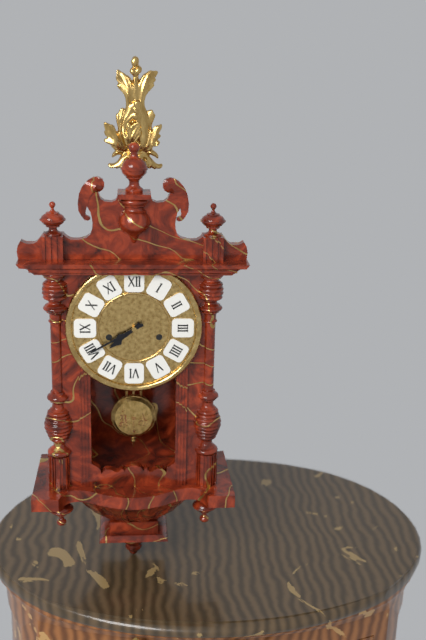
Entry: h=7 m=40
